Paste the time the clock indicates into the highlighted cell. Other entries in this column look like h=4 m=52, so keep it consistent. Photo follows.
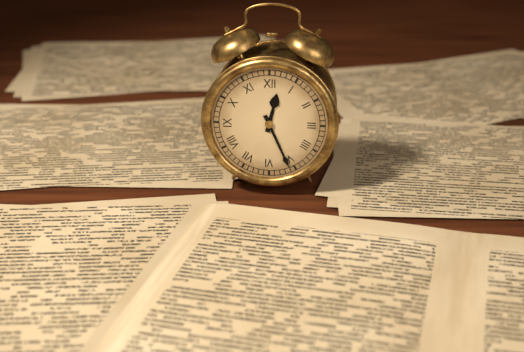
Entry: h=12 m=26
